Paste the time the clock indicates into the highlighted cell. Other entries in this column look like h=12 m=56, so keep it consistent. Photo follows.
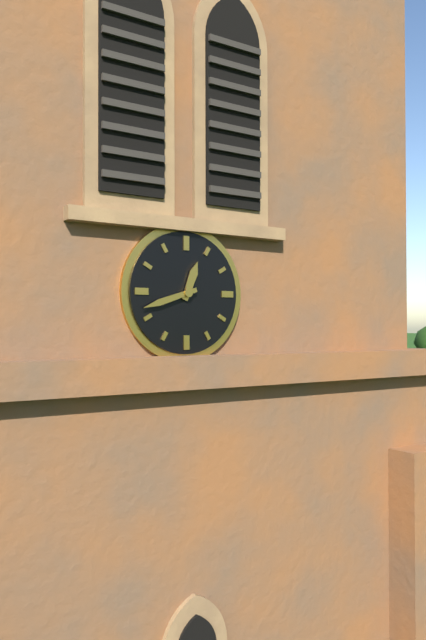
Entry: h=12 m=42
